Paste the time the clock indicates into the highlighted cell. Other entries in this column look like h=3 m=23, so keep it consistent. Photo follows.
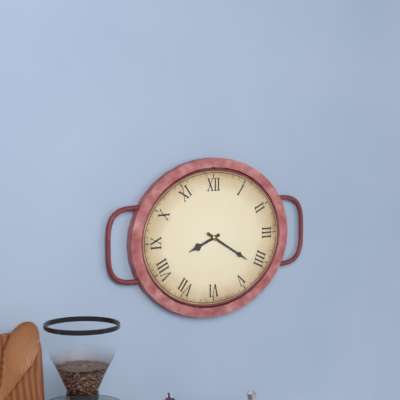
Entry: h=8 m=20
